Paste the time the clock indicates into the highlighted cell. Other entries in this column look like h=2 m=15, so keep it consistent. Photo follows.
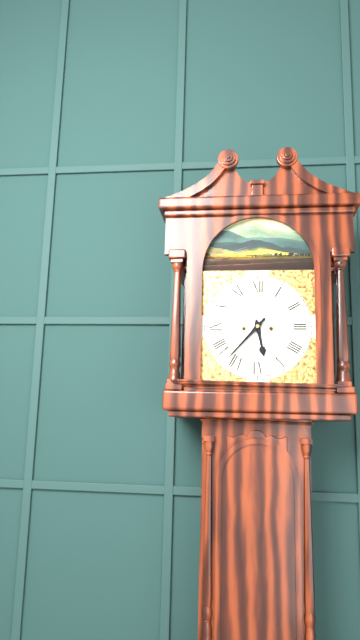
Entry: h=5 m=37
